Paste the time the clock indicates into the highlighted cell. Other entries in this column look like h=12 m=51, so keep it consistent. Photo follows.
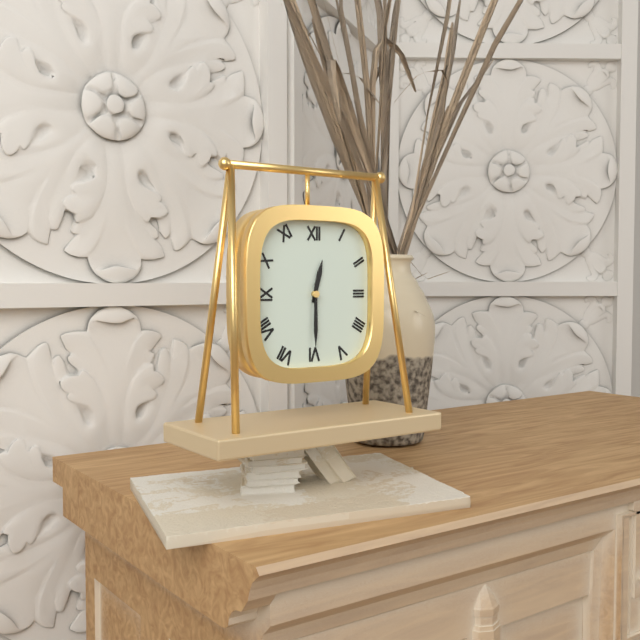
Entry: h=12 m=30
